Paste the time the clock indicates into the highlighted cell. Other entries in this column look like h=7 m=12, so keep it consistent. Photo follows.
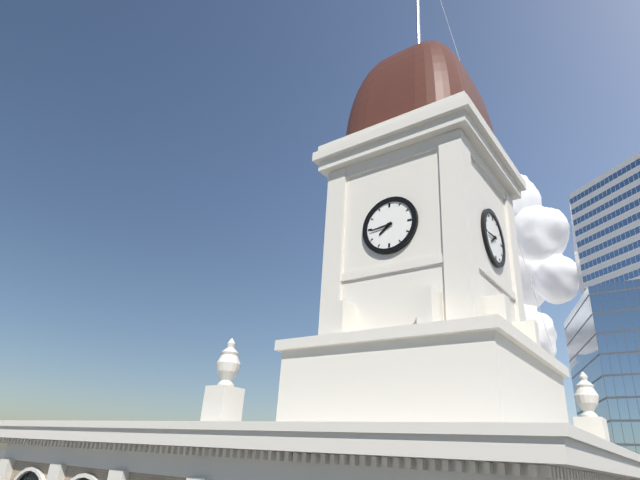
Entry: h=7 m=44
